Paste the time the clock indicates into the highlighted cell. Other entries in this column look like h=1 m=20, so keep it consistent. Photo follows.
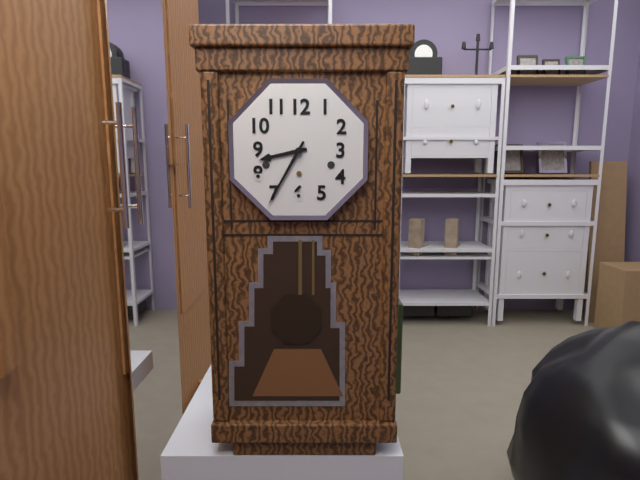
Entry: h=8 m=35
